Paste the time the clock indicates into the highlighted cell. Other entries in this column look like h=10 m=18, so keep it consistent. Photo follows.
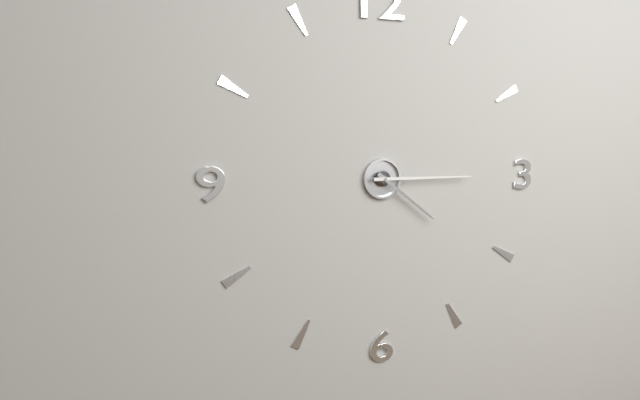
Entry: h=4 m=15
